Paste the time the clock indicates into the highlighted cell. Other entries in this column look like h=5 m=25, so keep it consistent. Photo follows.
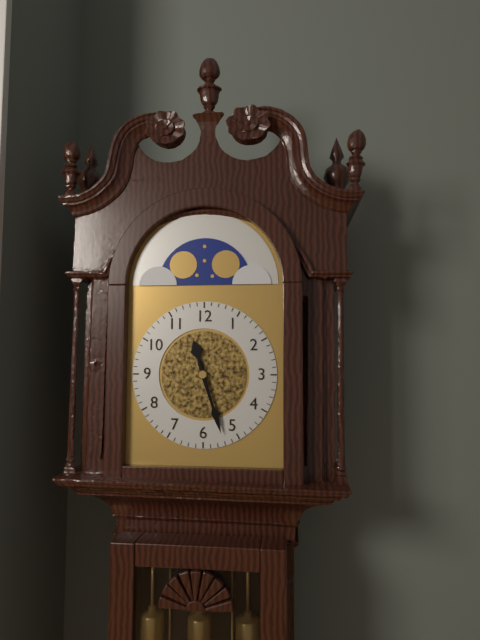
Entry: h=11 m=27
